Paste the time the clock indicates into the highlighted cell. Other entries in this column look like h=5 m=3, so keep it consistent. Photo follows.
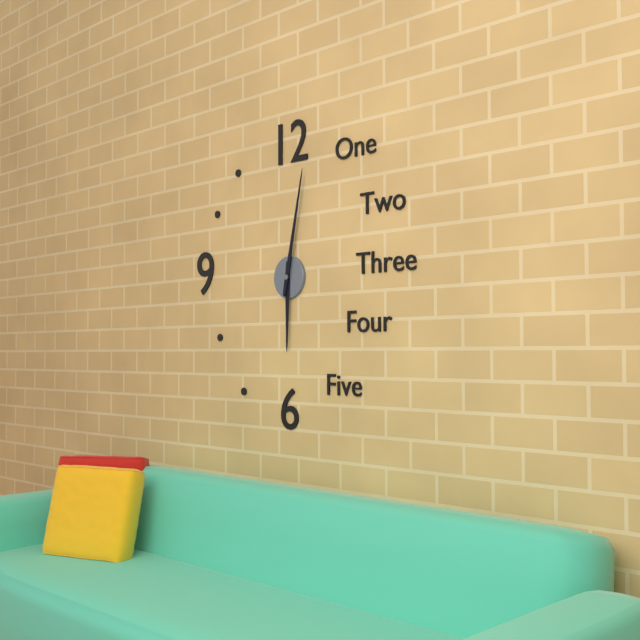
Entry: h=6 m=2
